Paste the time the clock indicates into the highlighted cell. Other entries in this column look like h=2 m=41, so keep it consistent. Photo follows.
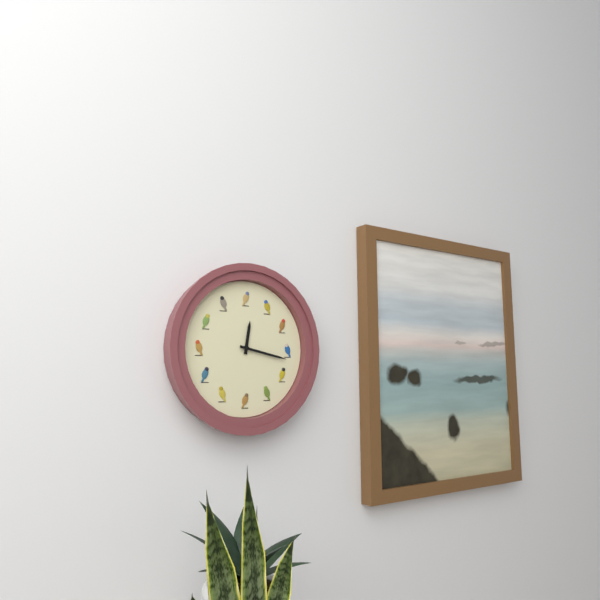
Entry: h=12 m=17
